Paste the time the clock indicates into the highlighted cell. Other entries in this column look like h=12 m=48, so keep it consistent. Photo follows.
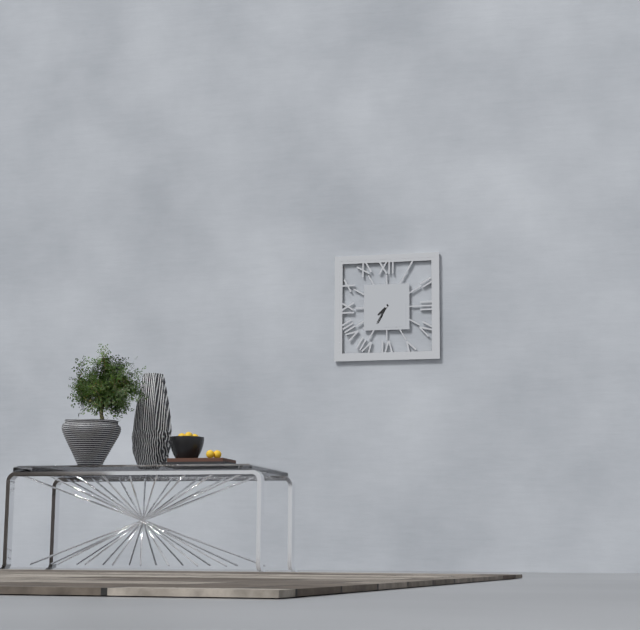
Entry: h=7 m=35
